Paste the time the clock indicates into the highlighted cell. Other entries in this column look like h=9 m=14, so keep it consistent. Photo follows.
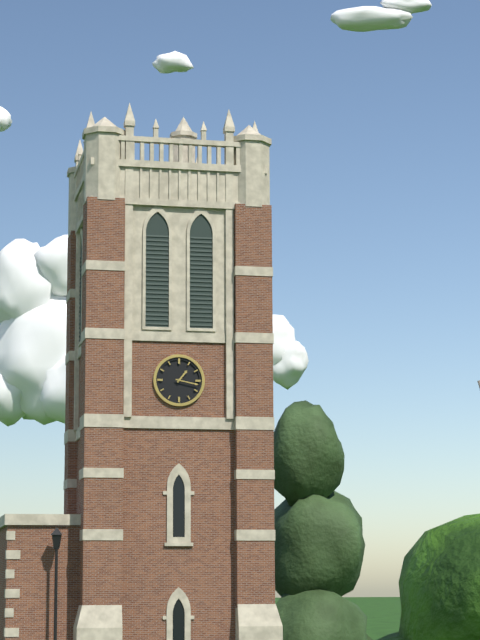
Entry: h=1 m=17
